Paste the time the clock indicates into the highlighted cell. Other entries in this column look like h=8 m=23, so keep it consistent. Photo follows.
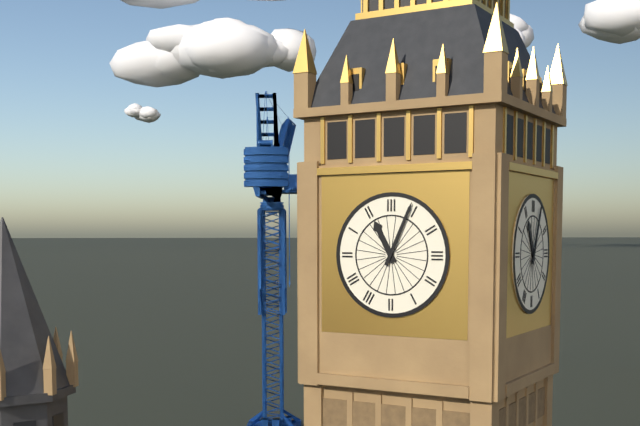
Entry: h=11 m=4
